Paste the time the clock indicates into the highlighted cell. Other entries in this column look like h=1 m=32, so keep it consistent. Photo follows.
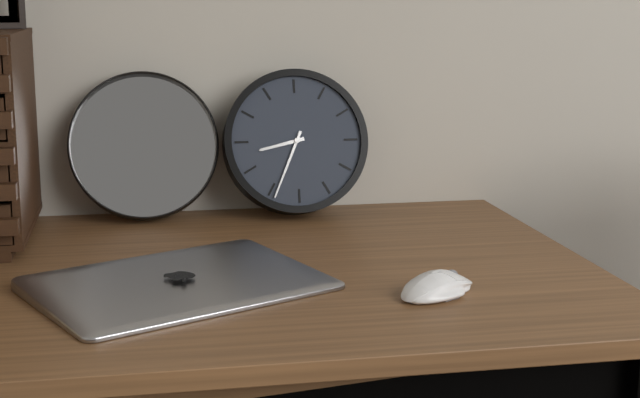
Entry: h=8 m=34
